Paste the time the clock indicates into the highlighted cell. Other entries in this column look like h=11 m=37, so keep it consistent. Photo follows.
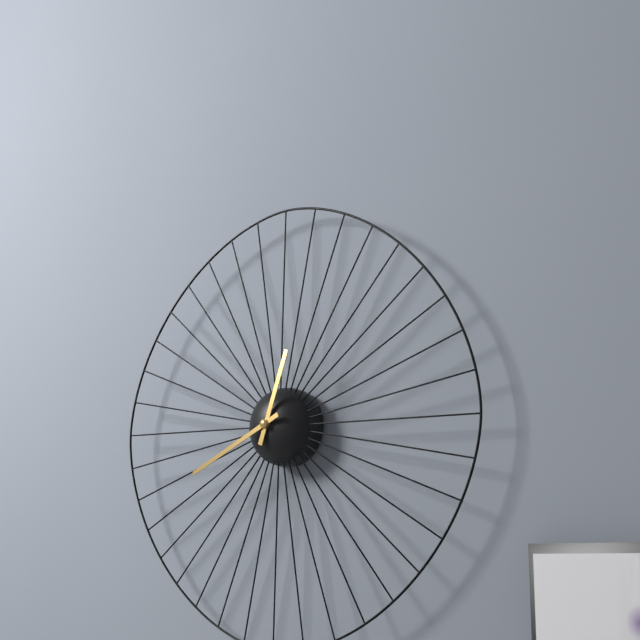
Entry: h=12 m=41
